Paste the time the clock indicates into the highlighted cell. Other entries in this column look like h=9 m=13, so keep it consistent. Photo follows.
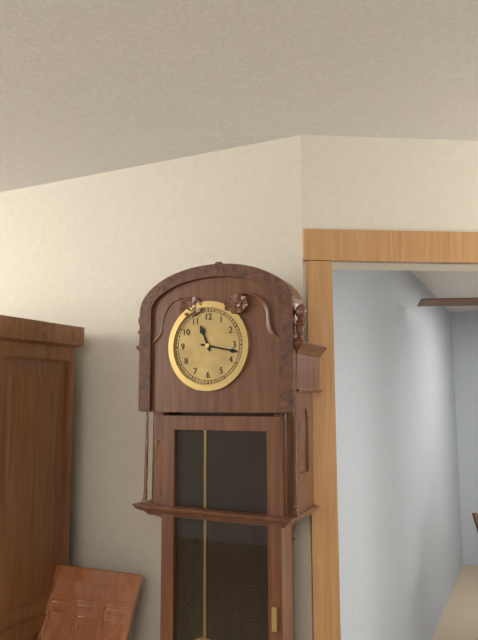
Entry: h=11 m=17
